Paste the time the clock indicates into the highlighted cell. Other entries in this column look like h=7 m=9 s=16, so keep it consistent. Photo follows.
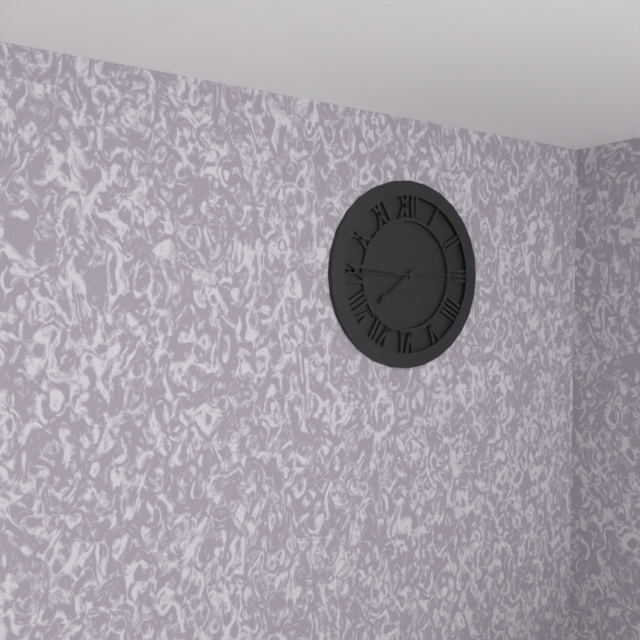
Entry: h=7 m=46 s=45
